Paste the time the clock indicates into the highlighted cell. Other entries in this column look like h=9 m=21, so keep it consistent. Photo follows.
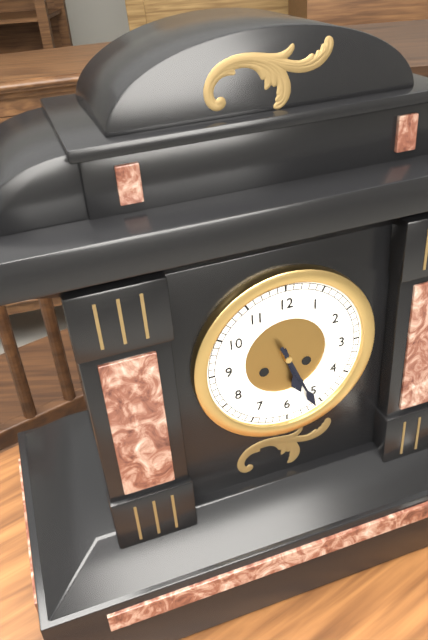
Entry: h=5 m=26
